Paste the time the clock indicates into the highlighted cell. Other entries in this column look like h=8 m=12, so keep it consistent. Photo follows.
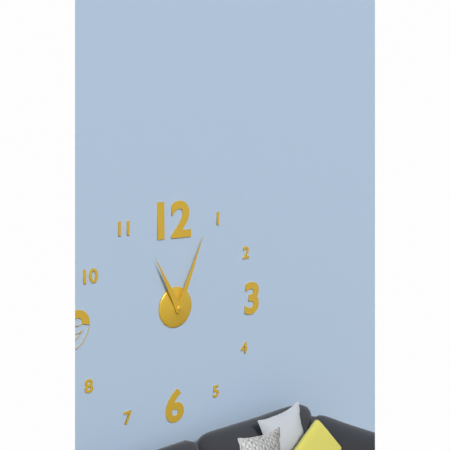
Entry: h=11 m=4
